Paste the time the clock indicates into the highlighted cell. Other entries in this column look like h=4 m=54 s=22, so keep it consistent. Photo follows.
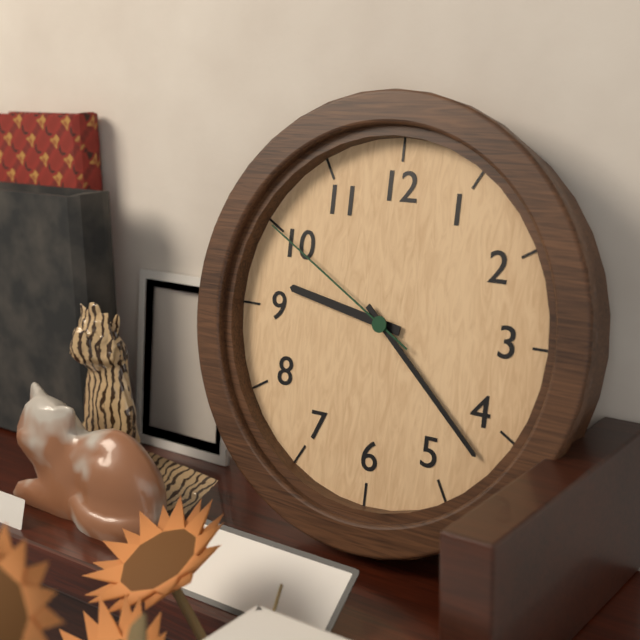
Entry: h=9 m=22 s=50
